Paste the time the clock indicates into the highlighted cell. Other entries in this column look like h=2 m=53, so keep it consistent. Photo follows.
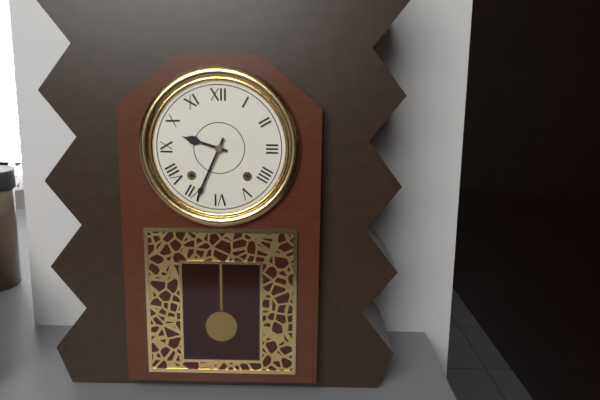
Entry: h=9 m=34
